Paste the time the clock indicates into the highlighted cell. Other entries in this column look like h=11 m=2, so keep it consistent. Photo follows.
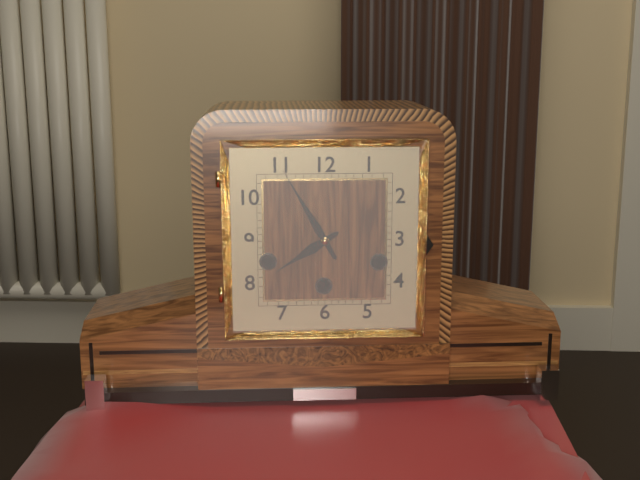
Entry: h=7 m=55
